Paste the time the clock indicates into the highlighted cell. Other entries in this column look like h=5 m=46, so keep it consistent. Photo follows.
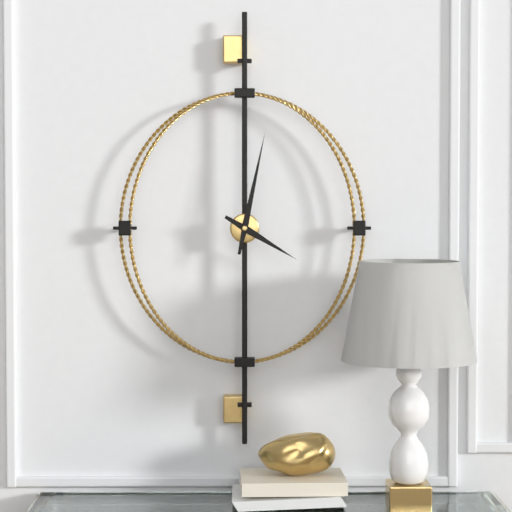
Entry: h=4 m=2
